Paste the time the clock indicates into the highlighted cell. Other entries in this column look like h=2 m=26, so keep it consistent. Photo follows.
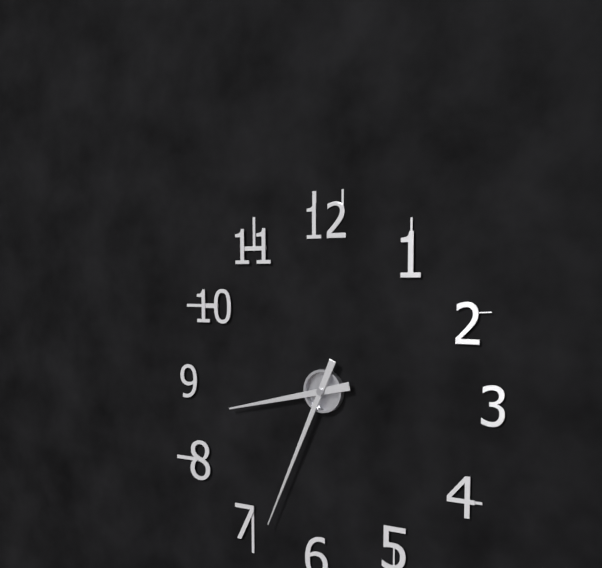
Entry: h=8 m=34
